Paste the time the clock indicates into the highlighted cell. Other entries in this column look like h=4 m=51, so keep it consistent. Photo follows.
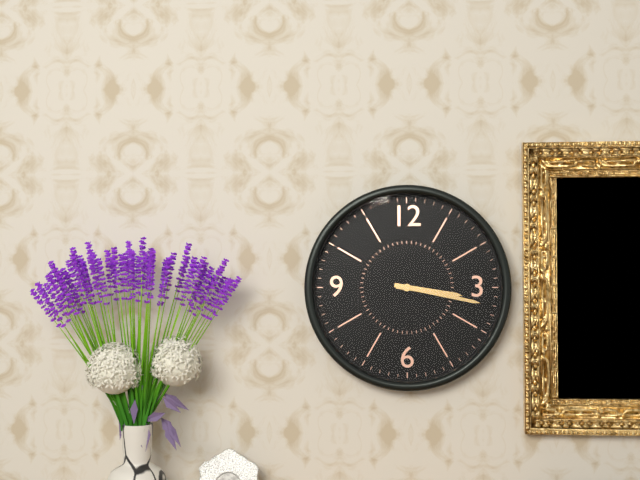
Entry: h=3 m=17
